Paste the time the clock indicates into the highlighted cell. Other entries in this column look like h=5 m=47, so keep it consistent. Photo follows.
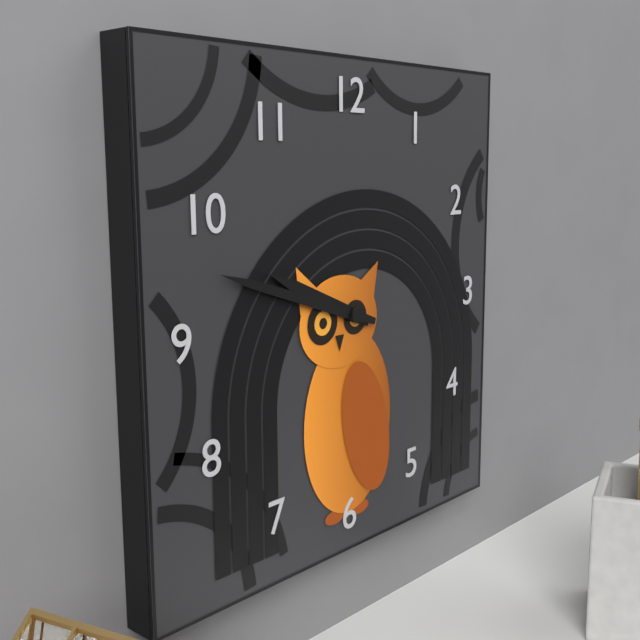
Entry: h=9 m=48
